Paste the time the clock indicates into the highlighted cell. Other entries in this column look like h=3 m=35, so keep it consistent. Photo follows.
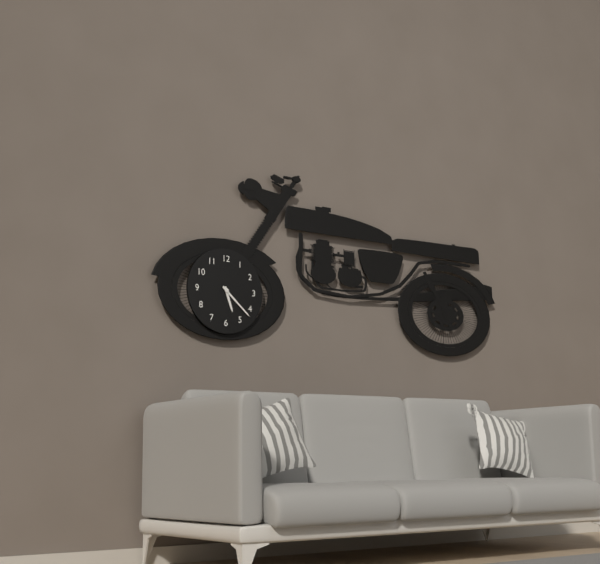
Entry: h=5 m=22
